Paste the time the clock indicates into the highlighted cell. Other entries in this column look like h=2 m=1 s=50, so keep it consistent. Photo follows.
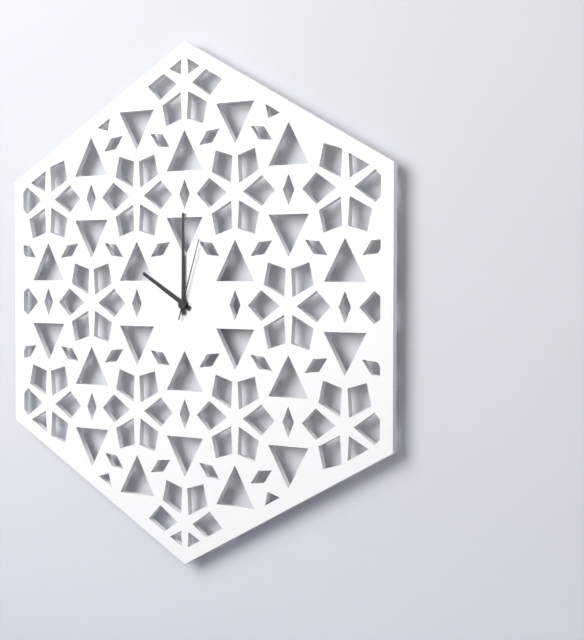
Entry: h=10 m=0 s=3
